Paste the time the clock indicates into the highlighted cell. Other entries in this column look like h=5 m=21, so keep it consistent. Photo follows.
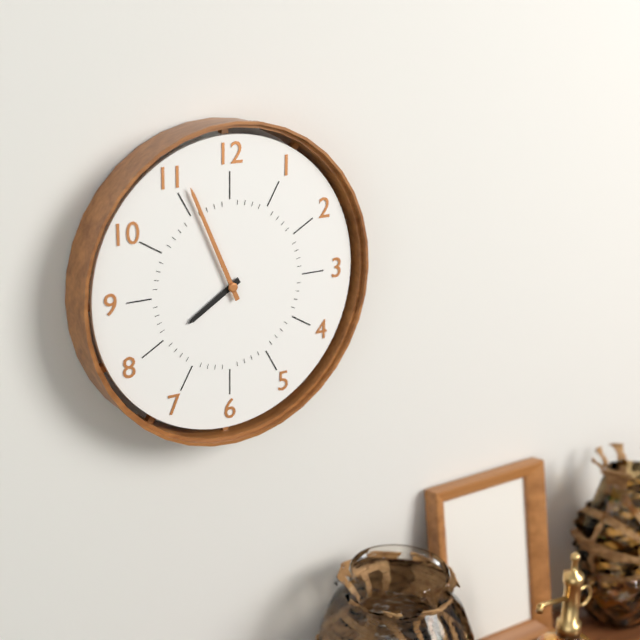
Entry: h=7 m=56
